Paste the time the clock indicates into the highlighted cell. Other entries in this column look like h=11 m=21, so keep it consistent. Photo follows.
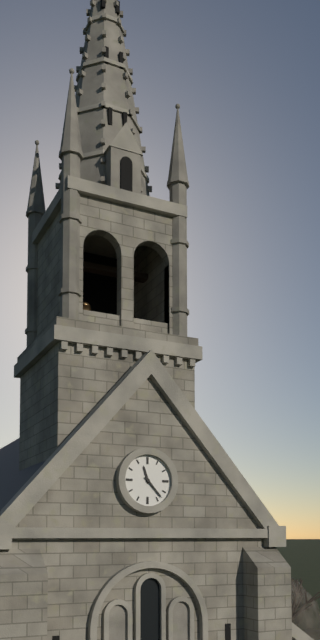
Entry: h=11 m=23
